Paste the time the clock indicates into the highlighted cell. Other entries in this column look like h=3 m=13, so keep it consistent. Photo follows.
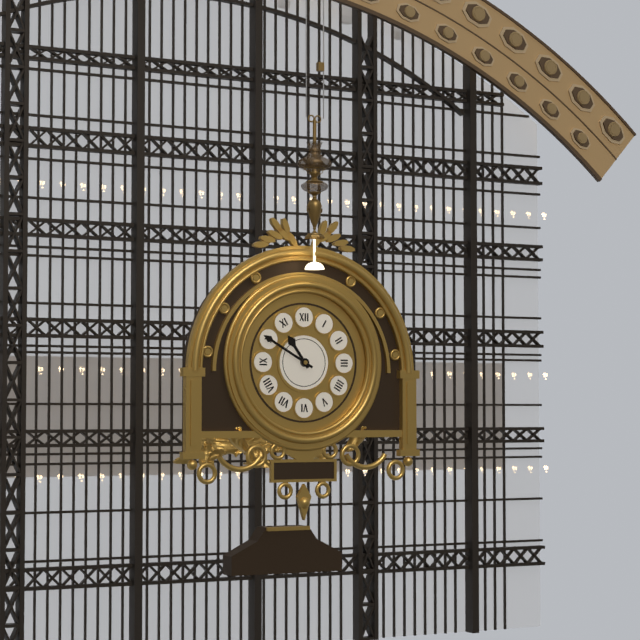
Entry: h=10 m=50
